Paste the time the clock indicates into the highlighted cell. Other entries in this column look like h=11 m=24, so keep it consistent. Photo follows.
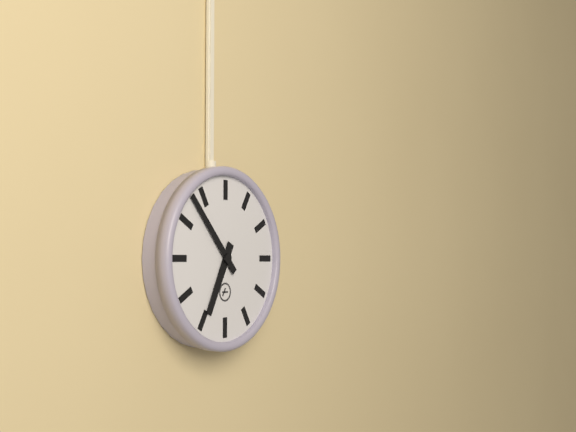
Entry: h=6 m=53
